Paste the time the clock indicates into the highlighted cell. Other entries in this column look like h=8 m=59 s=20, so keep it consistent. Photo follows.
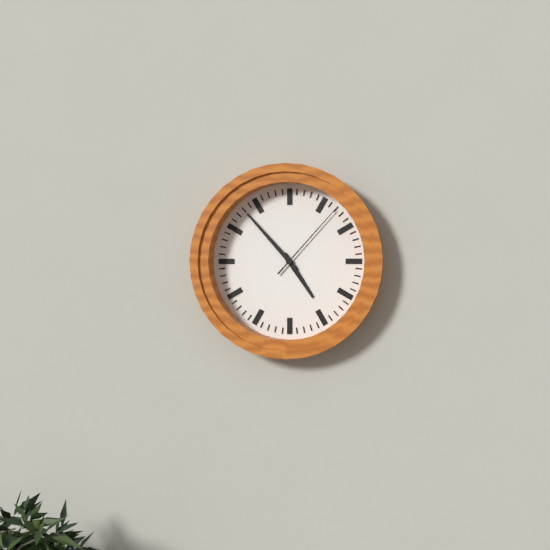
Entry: h=4 m=53 s=7
